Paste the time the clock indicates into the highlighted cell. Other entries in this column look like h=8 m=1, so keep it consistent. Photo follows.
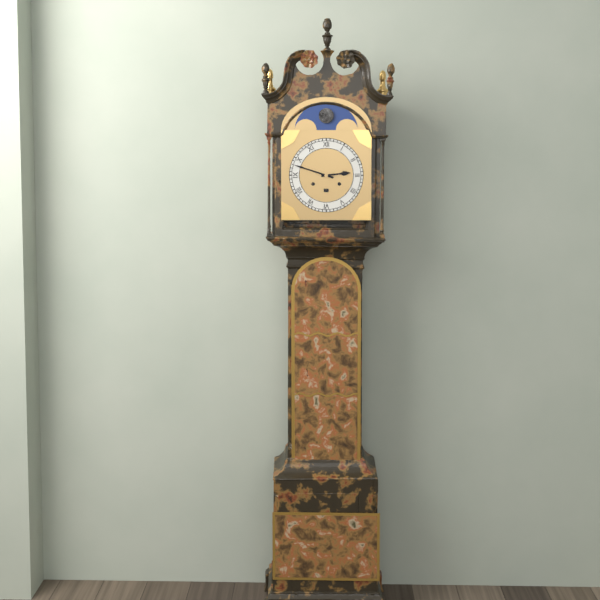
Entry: h=2 m=48
